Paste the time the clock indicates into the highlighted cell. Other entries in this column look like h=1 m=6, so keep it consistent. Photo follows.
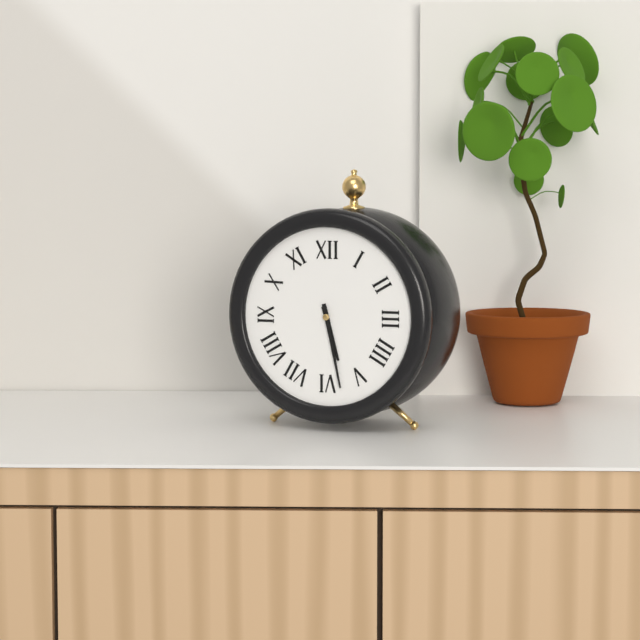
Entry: h=5 m=28
